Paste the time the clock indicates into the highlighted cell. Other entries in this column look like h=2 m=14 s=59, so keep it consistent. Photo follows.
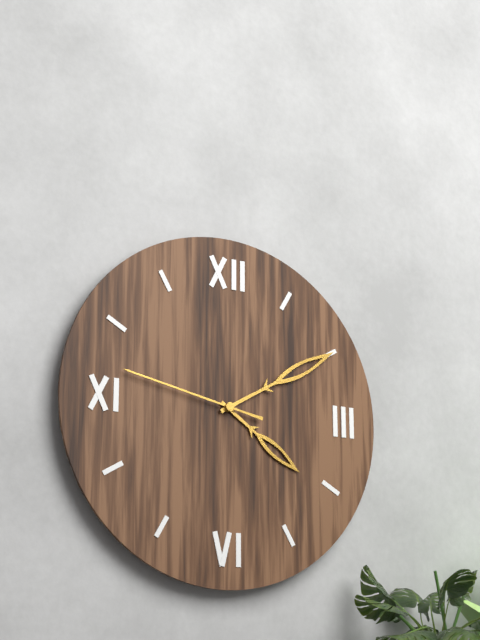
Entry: h=4 m=10 s=47
